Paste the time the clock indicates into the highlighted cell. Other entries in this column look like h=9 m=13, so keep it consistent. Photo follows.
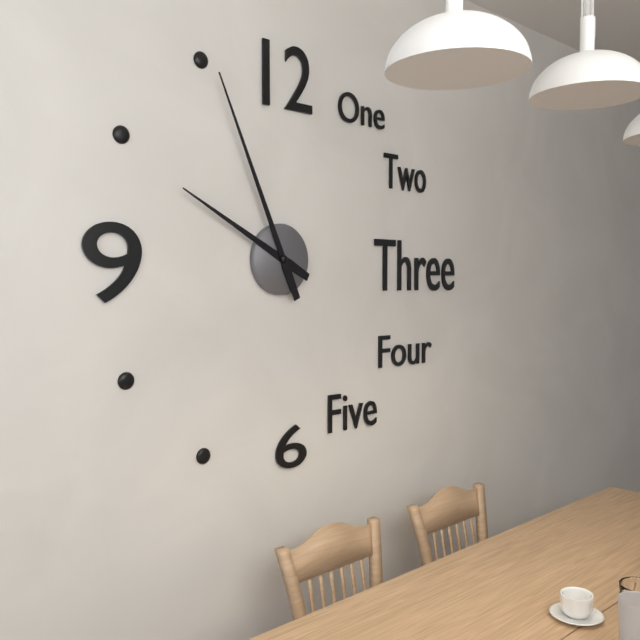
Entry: h=9 m=56
